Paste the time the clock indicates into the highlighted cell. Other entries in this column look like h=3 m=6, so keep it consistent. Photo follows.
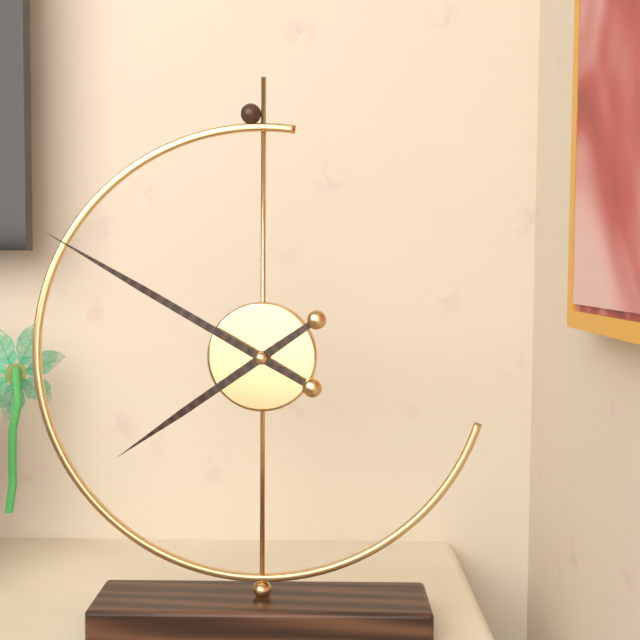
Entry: h=7 m=50
